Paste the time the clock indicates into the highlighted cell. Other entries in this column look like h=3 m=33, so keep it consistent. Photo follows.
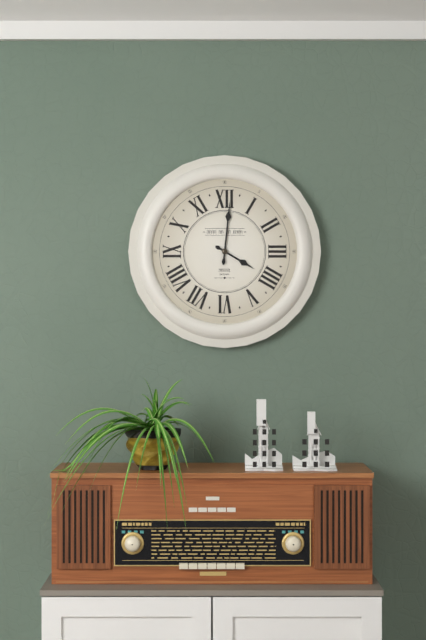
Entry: h=4 m=1
